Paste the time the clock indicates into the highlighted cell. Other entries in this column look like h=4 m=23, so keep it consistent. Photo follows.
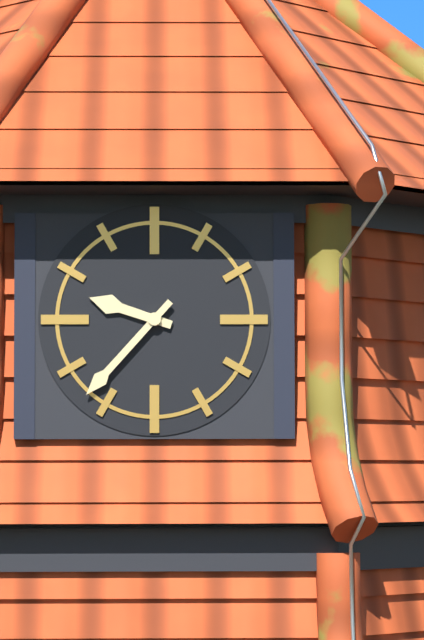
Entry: h=9 m=37
